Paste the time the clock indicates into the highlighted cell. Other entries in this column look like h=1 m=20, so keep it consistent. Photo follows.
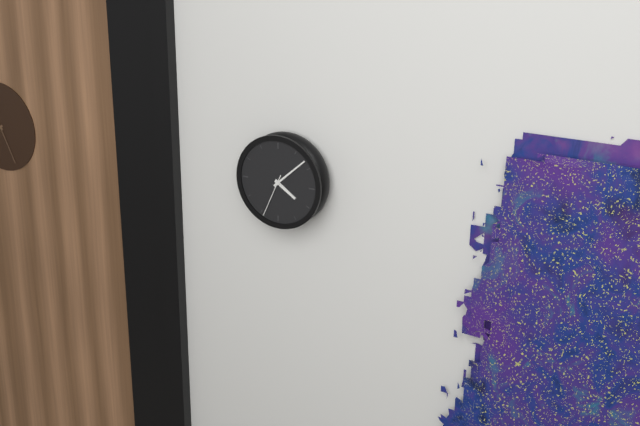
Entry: h=4 m=8
